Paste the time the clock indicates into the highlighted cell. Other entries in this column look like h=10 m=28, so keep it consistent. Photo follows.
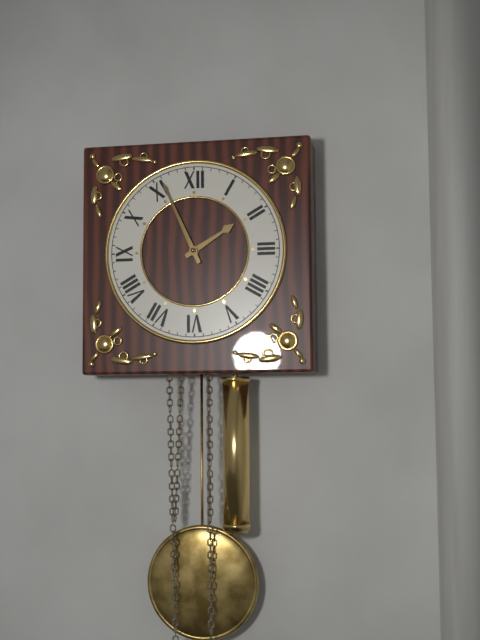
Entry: h=1 m=56
